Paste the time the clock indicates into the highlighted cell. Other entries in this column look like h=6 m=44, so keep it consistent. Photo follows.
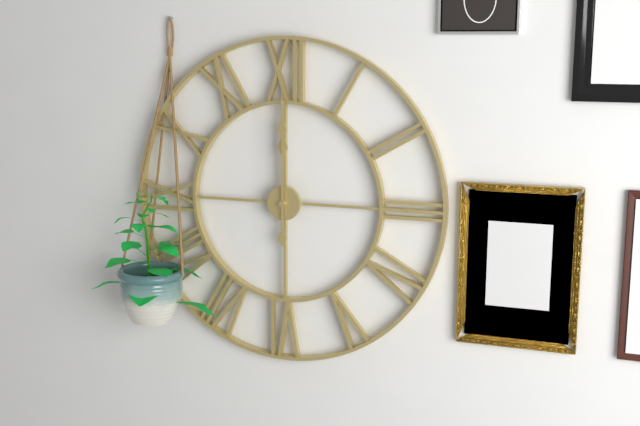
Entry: h=12 m=0
